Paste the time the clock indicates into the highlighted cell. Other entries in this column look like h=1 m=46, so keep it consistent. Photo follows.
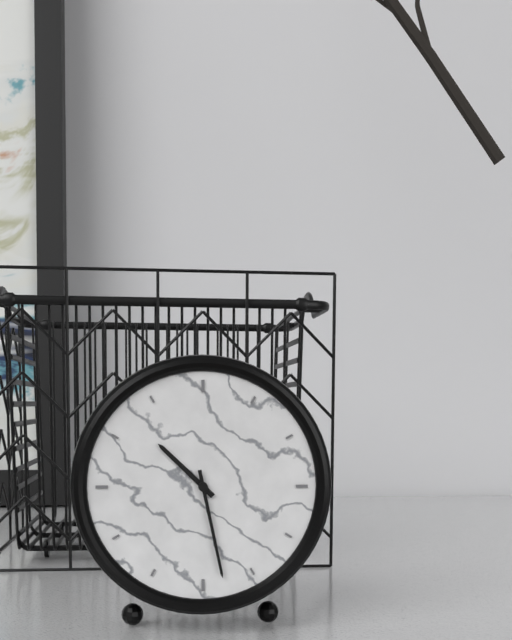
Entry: h=10 m=28
